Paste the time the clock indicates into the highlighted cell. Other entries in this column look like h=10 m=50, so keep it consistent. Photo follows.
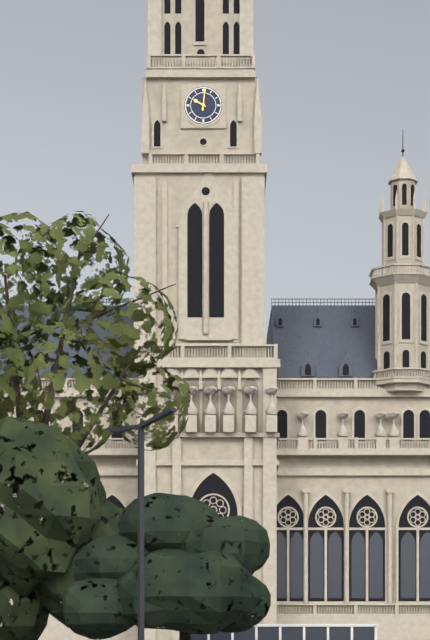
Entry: h=10 m=1
